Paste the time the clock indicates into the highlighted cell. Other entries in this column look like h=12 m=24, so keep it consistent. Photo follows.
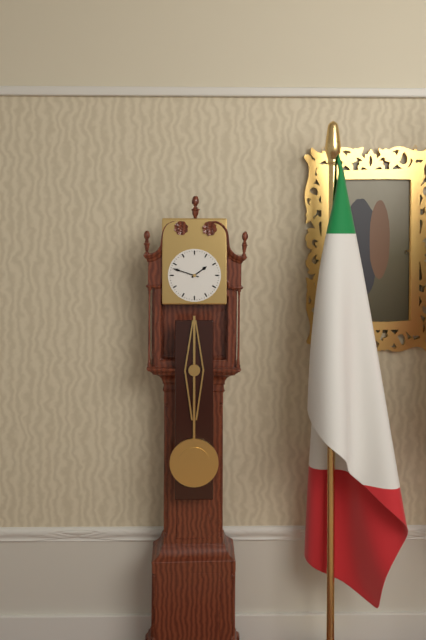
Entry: h=1 m=48
